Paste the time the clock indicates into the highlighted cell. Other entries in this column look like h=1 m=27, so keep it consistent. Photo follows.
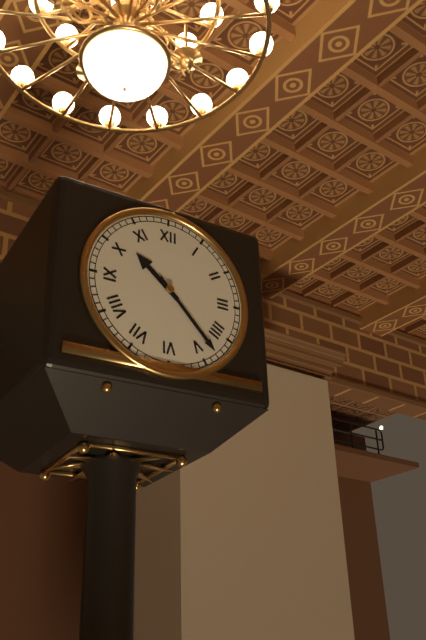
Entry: h=10 m=23
